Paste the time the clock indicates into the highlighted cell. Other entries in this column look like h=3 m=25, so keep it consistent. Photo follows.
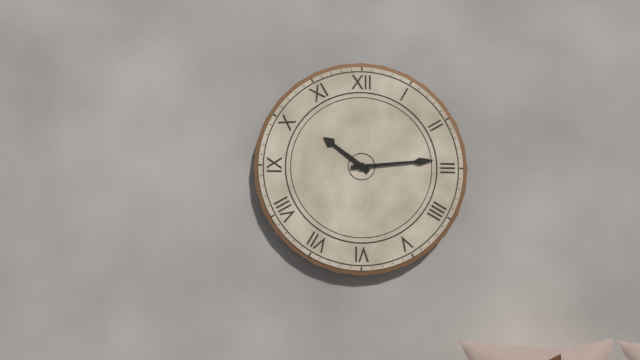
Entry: h=10 m=14
